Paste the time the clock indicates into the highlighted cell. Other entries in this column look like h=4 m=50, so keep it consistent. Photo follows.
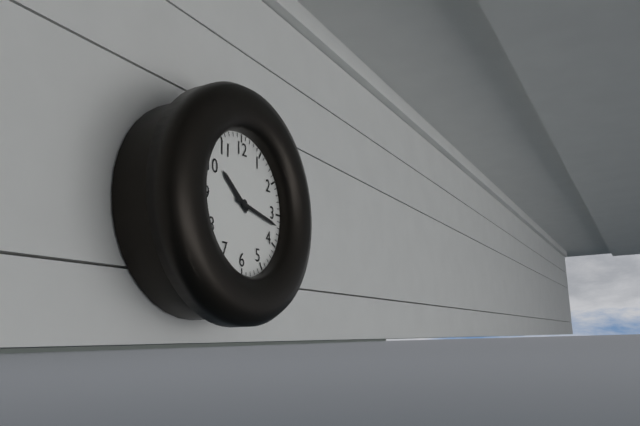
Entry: h=10 m=17
